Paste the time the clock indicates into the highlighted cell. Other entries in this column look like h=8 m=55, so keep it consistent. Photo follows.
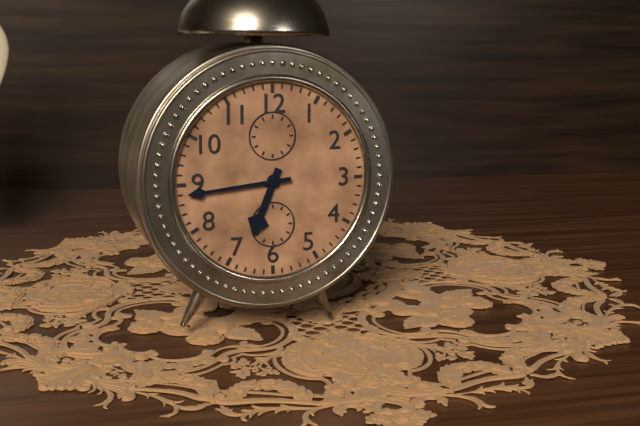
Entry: h=6 m=44
